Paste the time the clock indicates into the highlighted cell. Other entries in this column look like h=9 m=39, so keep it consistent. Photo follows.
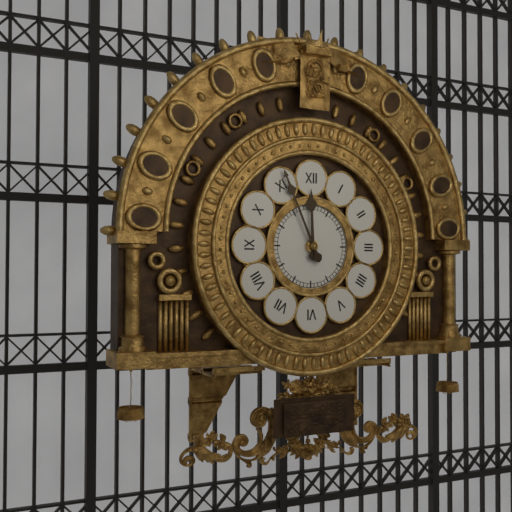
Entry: h=11 m=56
